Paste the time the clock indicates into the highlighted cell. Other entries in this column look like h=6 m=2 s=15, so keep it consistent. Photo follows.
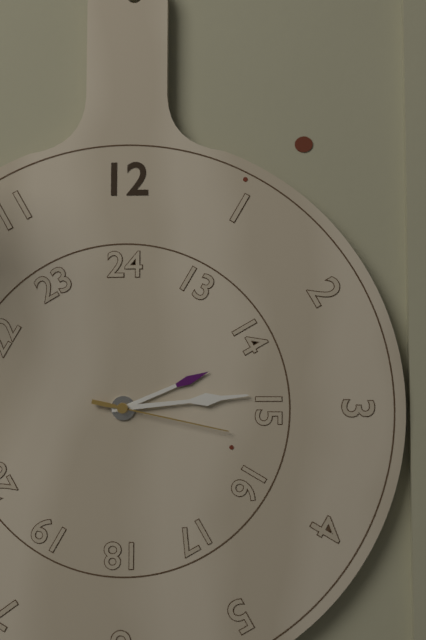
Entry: h=2 m=14 s=17
